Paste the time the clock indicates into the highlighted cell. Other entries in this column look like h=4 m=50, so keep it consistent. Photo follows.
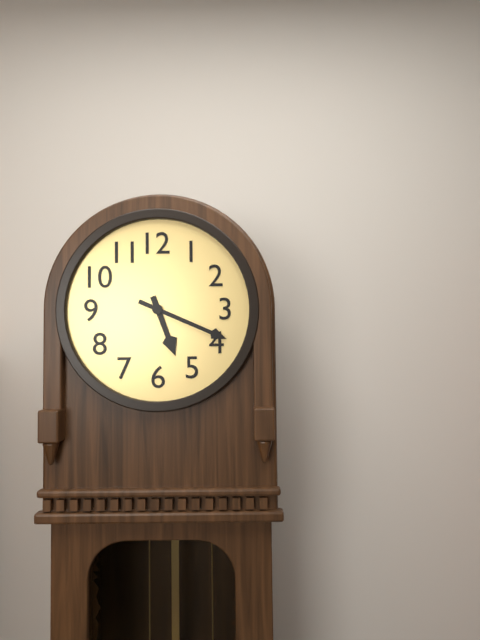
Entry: h=5 m=19
